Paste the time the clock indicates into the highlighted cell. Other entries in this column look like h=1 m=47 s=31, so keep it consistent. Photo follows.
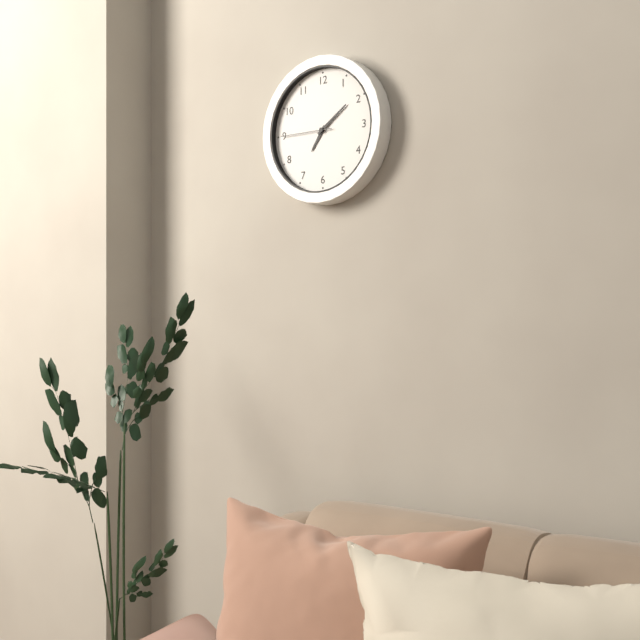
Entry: h=7 m=9 s=45
